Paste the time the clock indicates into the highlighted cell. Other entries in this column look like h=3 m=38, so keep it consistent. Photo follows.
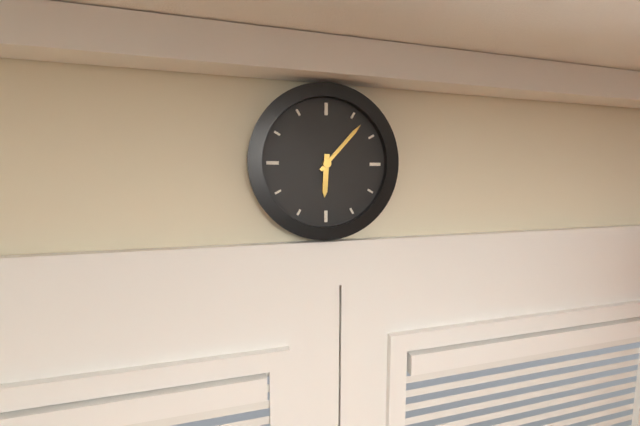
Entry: h=6 m=7
